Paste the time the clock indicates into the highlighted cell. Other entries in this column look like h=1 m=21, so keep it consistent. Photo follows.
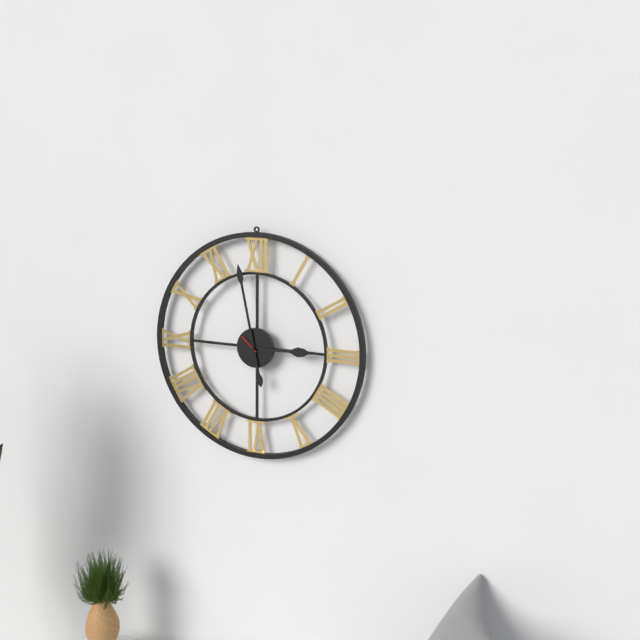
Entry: h=2 m=58
